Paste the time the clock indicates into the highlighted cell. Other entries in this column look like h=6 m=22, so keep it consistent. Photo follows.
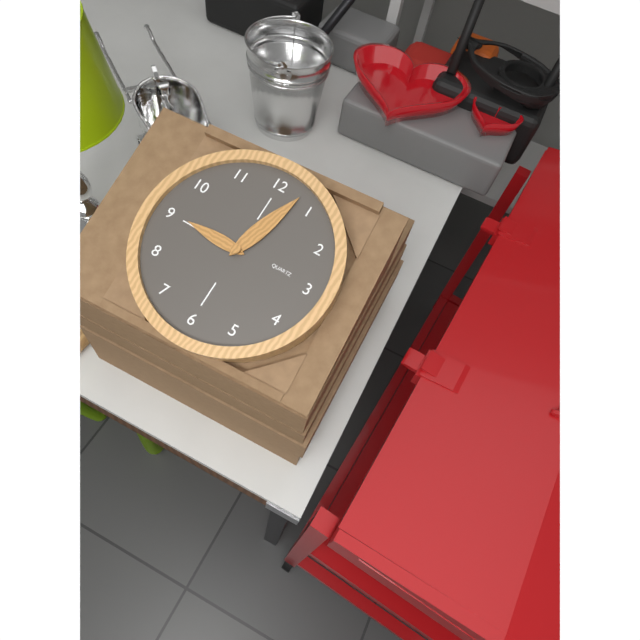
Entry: h=9 m=3
